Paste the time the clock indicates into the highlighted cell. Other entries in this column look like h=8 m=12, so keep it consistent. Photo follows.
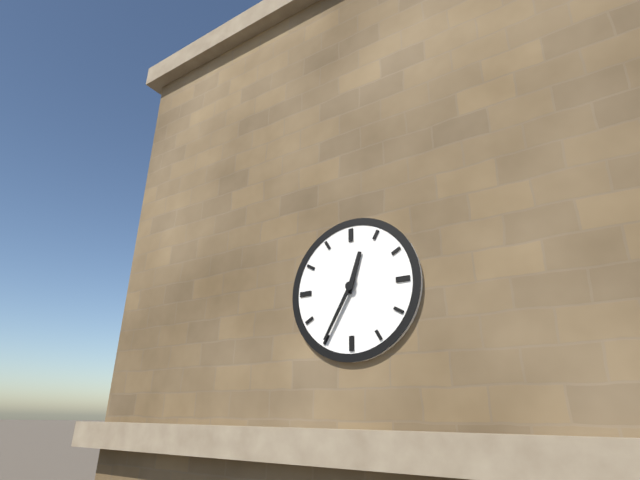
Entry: h=12 m=35
